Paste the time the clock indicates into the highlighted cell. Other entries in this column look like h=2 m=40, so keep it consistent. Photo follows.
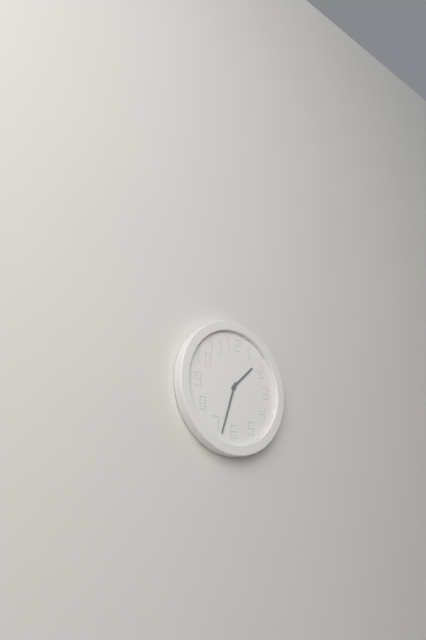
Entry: h=1 m=33
